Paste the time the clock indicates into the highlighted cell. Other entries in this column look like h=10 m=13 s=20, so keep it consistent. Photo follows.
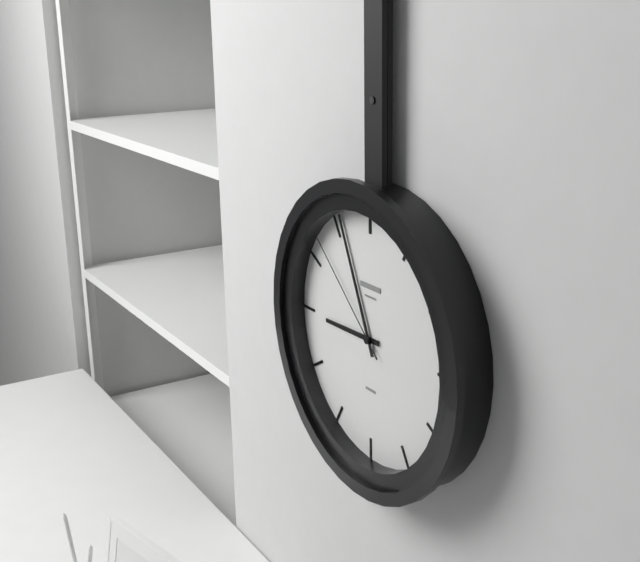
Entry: h=8 m=56 s=52
